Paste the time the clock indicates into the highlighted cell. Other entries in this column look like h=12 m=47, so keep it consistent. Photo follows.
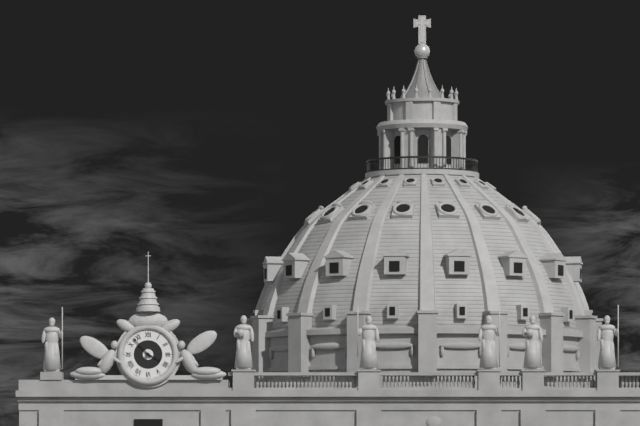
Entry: h=3 m=53
